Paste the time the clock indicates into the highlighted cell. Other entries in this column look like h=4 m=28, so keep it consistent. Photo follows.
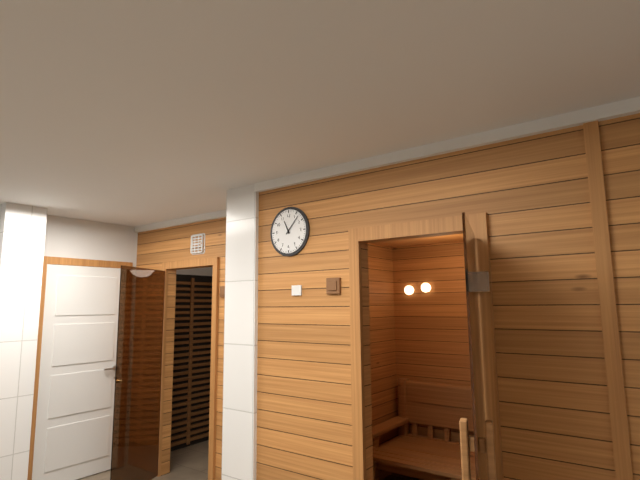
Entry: h=11 m=7
